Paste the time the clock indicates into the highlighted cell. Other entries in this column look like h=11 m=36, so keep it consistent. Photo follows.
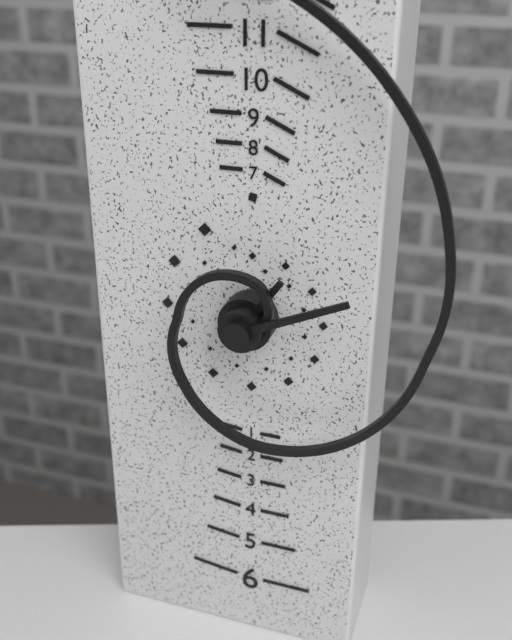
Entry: h=1 m=11
